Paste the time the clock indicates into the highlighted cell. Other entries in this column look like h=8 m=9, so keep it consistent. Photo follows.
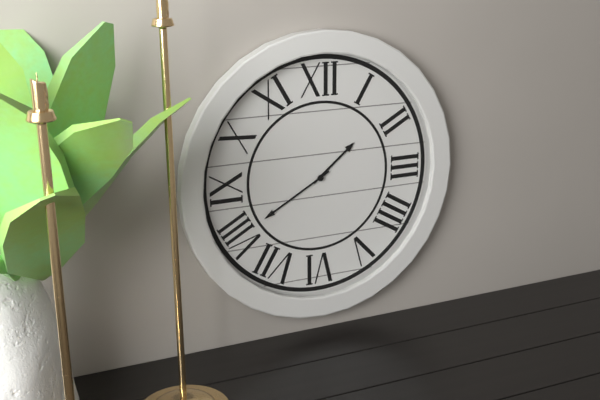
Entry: h=1 m=40
